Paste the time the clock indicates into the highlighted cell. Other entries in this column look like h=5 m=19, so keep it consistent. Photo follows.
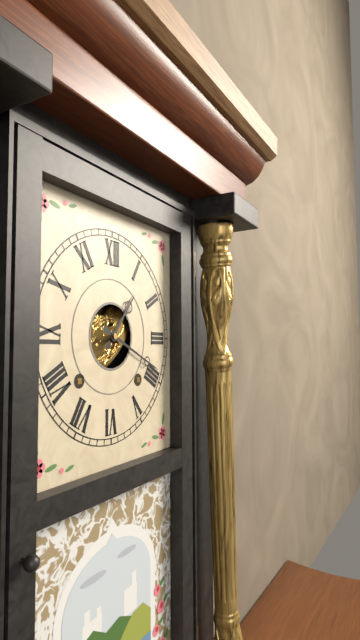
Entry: h=1 m=19
